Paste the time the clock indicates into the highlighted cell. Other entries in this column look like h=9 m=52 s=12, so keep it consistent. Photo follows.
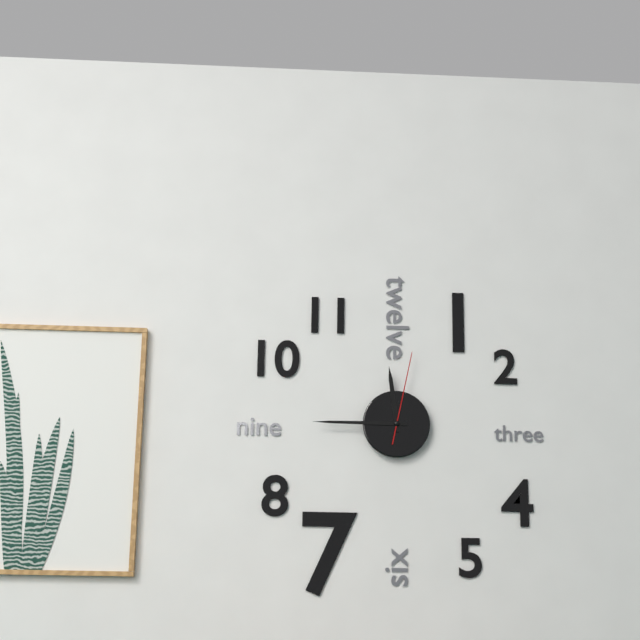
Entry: h=11 m=45 s=2
